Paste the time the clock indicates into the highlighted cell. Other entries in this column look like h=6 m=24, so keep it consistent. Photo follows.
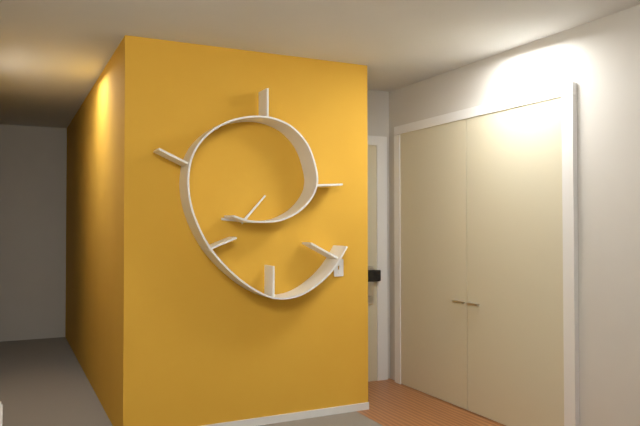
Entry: h=9 m=7
